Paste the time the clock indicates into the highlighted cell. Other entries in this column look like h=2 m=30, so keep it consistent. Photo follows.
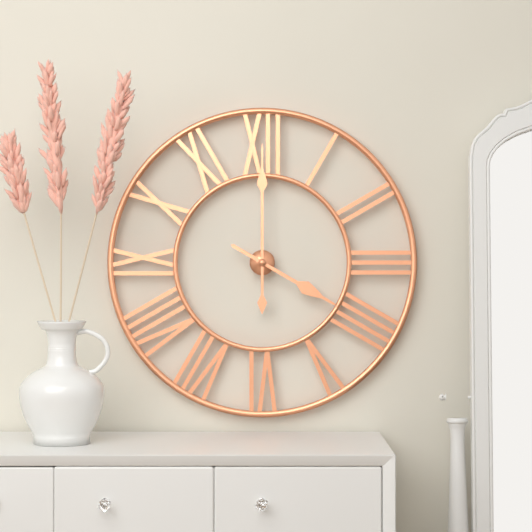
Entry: h=4 m=0
